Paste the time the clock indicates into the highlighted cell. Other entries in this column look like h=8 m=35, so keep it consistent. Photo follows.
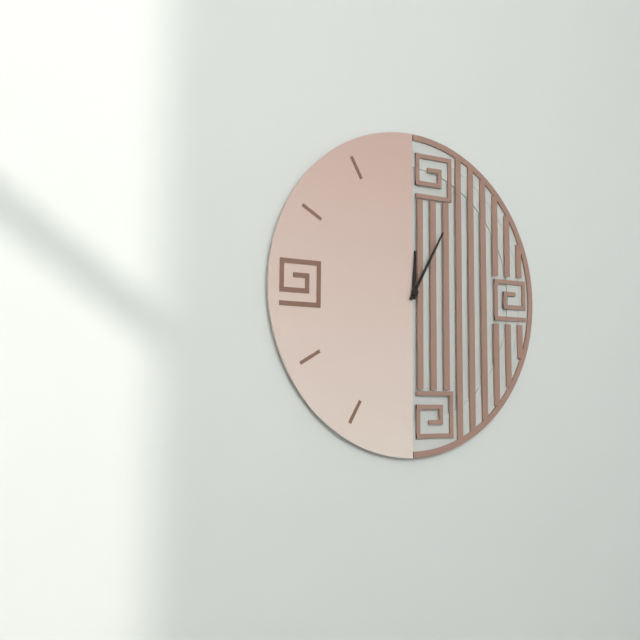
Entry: h=12 m=5
